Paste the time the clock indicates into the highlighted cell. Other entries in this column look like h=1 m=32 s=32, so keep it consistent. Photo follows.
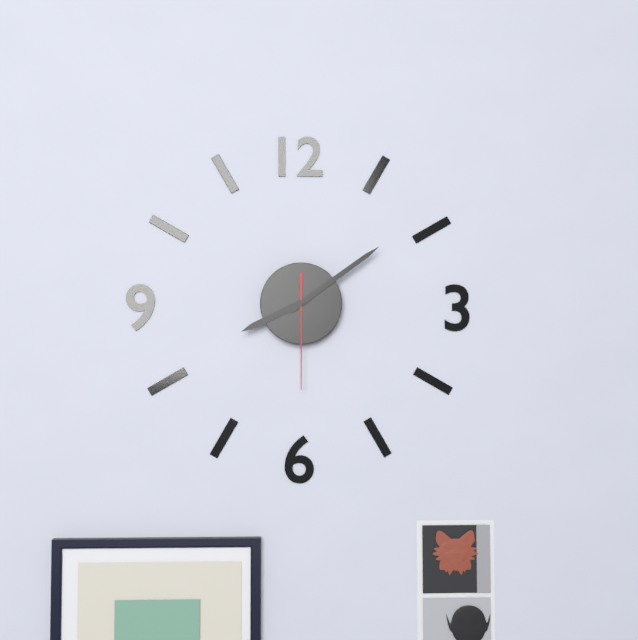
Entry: h=8 m=9 s=30
